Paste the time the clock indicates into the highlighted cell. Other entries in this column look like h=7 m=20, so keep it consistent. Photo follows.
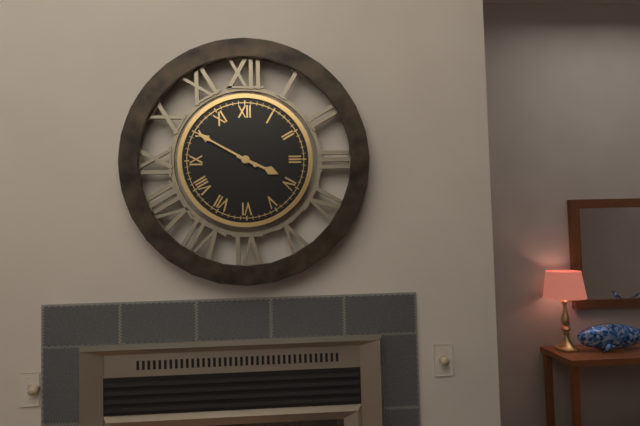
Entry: h=3 m=50
